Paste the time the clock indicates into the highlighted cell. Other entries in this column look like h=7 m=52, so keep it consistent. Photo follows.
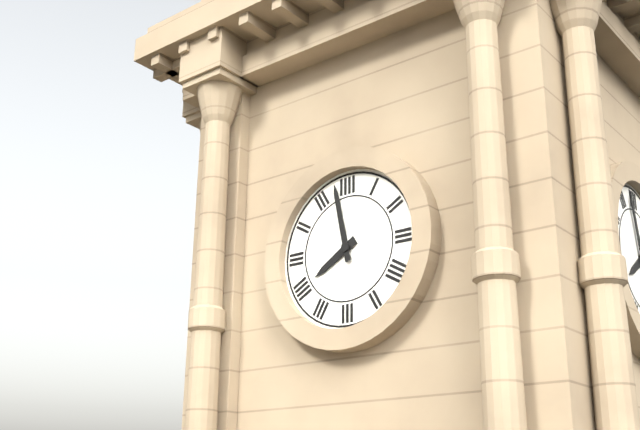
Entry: h=7 m=58
